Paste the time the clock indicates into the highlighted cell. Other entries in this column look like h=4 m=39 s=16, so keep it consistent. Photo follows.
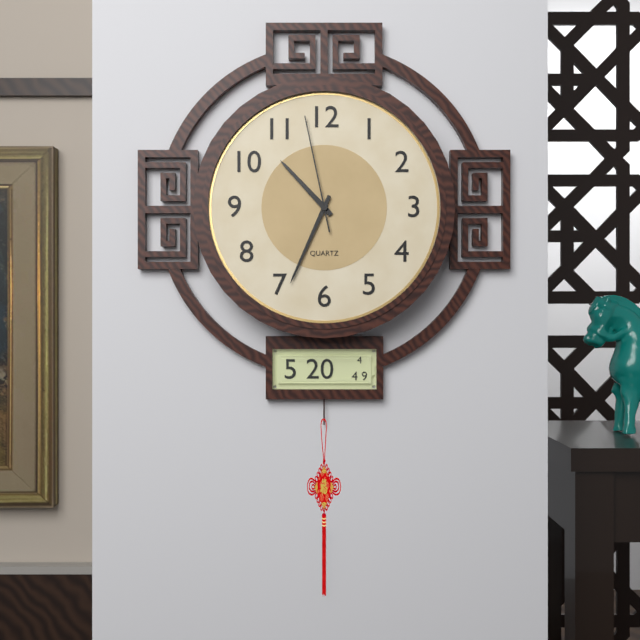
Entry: h=10 m=34 s=58
